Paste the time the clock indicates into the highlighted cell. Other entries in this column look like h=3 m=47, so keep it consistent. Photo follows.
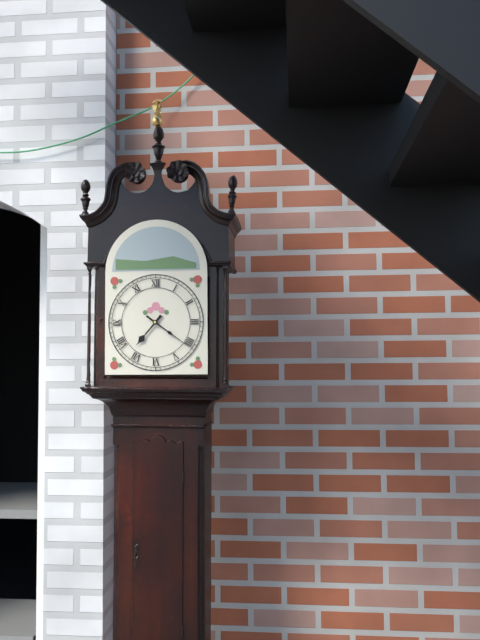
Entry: h=7 m=21
